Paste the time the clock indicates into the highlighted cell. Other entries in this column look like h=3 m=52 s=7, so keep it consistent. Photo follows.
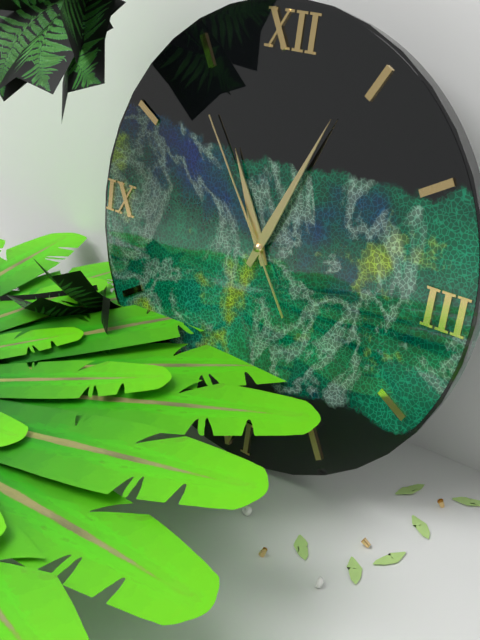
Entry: h=11 m=4 s=54
